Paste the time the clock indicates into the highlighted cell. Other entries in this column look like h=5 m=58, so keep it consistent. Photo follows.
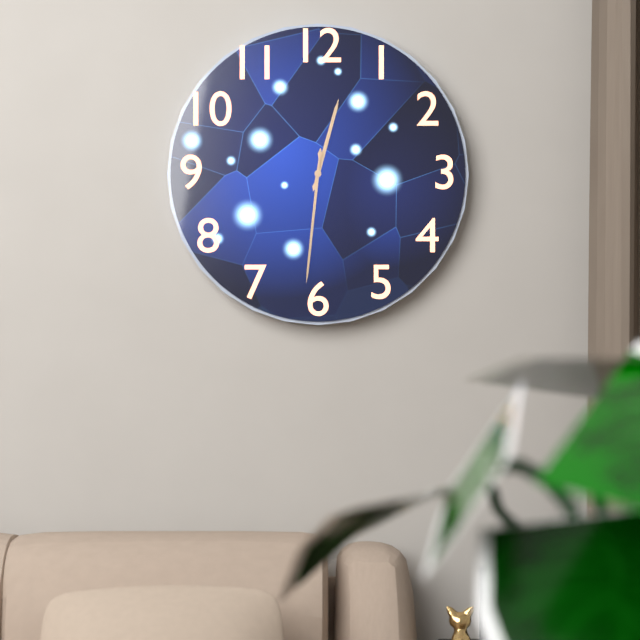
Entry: h=12 m=31
